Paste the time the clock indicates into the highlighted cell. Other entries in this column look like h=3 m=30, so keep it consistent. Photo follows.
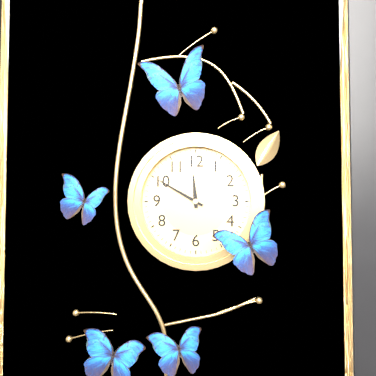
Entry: h=11 m=50
